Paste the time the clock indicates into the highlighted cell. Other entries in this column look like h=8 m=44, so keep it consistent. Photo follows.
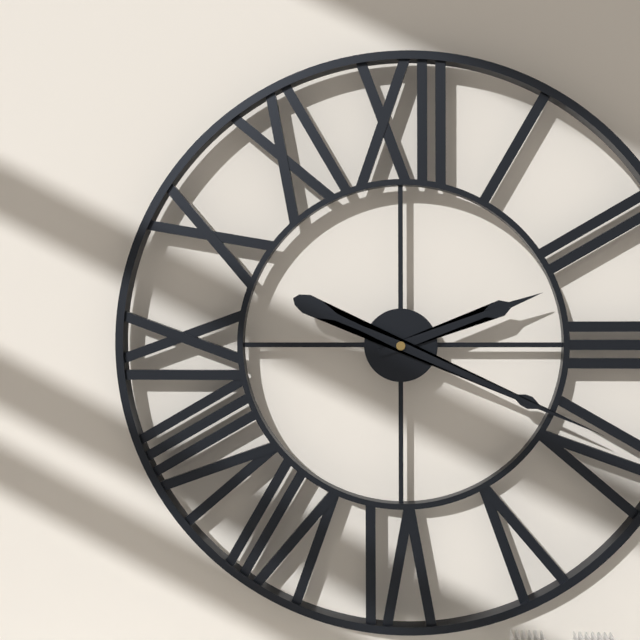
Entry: h=2 m=19
